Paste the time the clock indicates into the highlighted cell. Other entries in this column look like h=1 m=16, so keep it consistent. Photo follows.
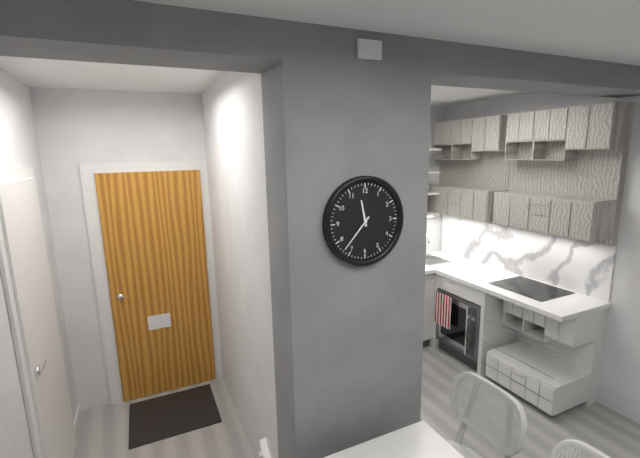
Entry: h=11 m=37
